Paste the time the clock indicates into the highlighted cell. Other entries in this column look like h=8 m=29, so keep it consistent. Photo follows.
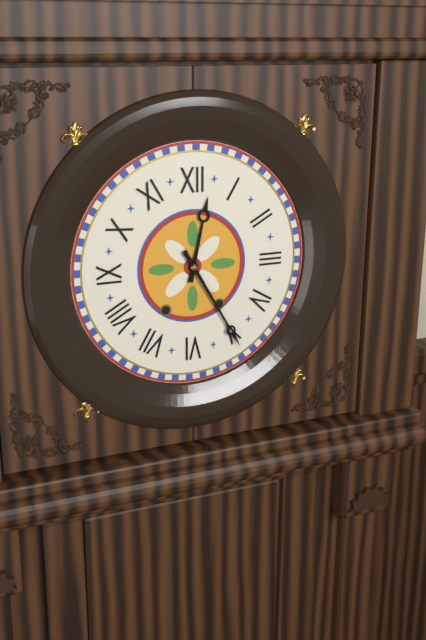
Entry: h=12 m=25
